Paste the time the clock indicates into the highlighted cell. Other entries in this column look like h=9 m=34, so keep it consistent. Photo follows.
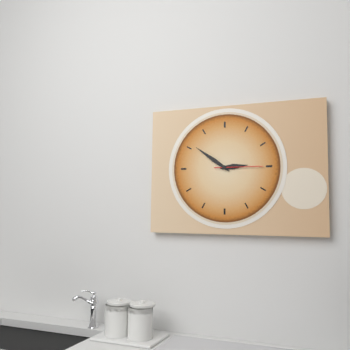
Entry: h=2 m=51
